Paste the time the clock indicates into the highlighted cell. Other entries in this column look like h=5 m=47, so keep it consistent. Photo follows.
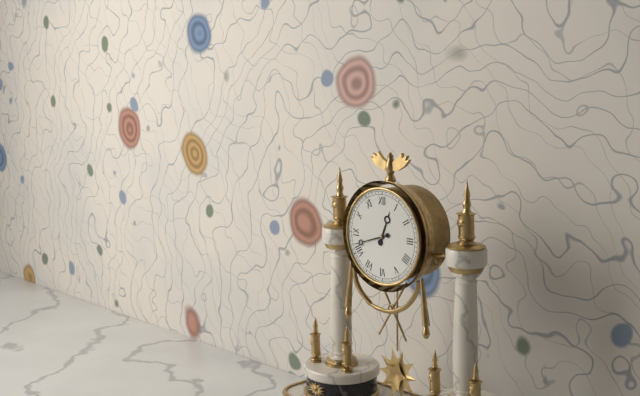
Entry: h=12 m=42
